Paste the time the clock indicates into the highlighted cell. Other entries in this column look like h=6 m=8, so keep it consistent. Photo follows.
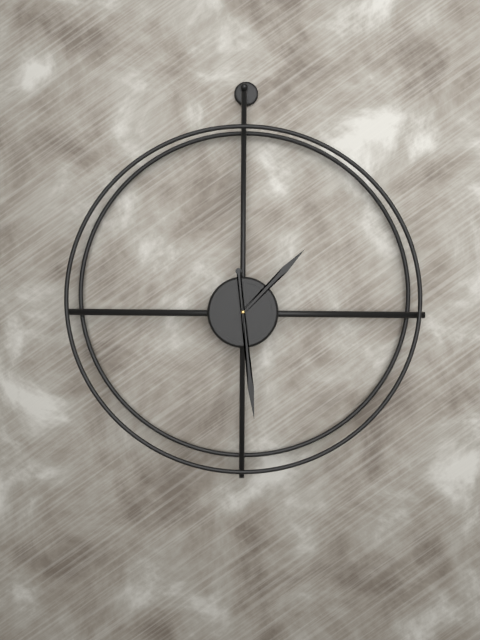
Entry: h=1 m=29
